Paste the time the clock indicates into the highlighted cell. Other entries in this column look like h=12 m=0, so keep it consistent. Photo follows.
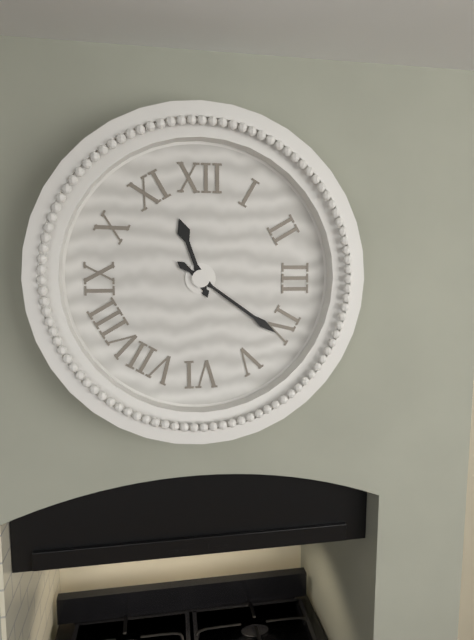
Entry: h=11 m=21
